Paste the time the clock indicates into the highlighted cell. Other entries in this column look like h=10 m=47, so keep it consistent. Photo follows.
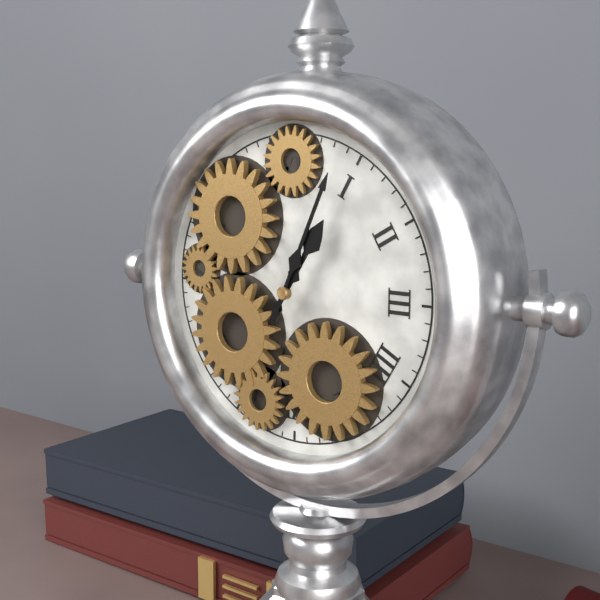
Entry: h=1 m=4
